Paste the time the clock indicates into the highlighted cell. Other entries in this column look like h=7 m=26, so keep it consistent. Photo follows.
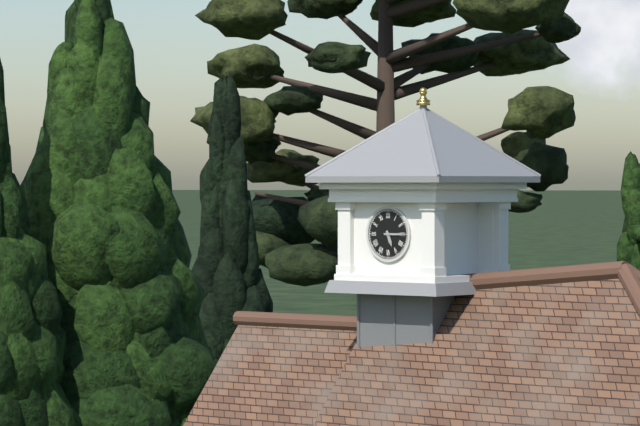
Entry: h=5 m=15
